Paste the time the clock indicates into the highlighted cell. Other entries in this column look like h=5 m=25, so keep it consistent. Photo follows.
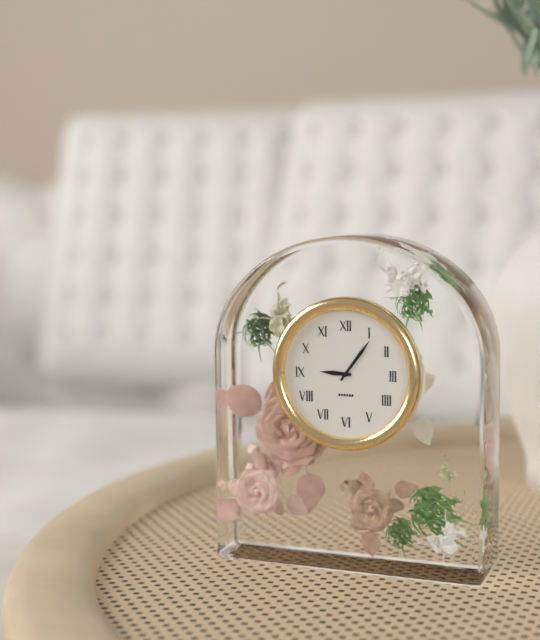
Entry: h=9 m=6
